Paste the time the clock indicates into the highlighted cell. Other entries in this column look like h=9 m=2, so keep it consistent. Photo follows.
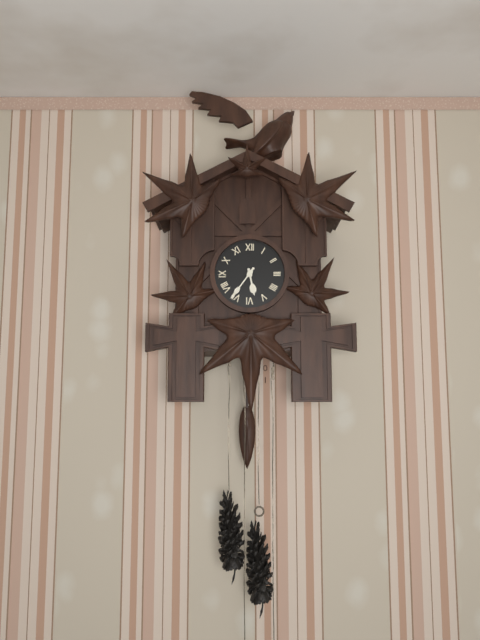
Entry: h=5 m=36
